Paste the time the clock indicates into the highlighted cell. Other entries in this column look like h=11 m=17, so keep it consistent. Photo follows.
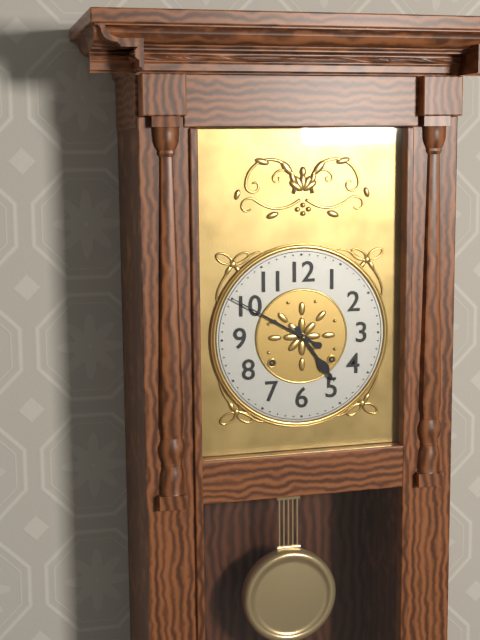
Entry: h=4 m=50
